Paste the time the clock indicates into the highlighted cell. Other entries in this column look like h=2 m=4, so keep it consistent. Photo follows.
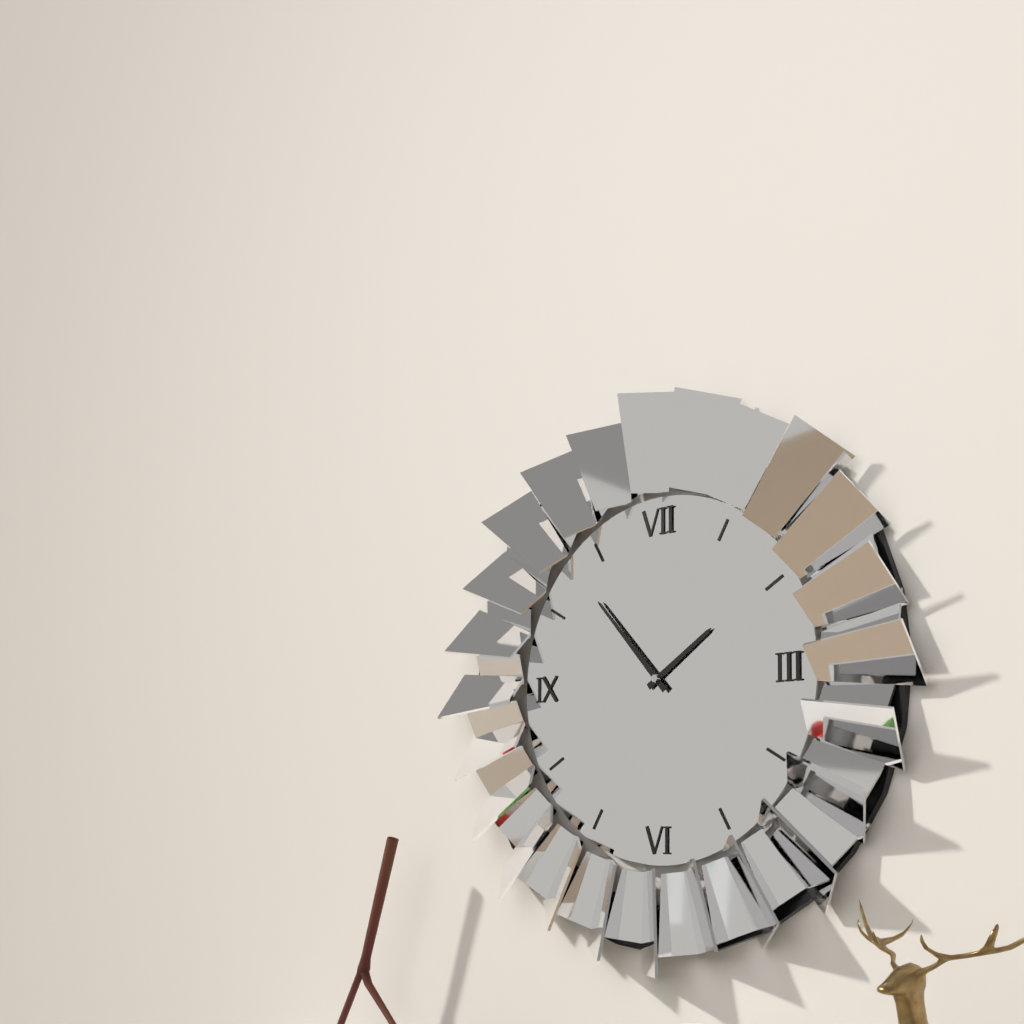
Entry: h=1 m=53
